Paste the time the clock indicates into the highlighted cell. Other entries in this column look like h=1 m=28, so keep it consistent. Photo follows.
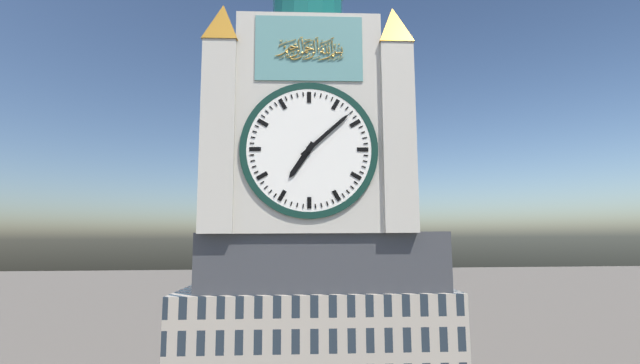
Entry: h=7 m=8
